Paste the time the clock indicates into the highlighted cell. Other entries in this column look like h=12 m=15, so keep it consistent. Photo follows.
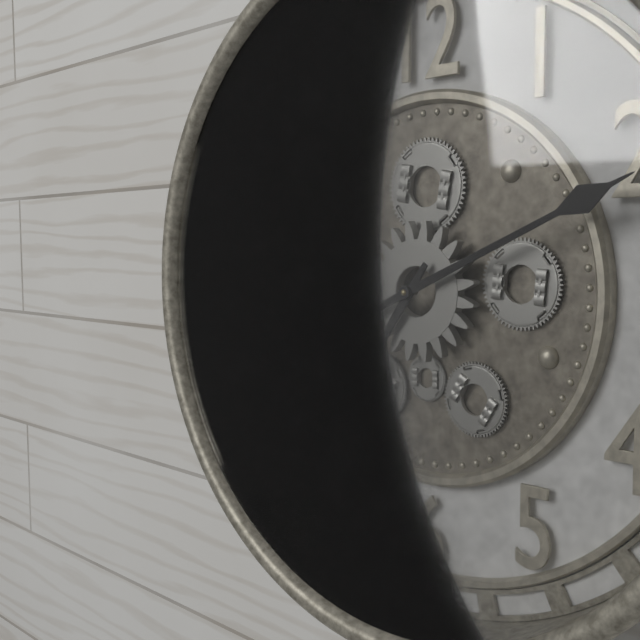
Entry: h=7 m=11
